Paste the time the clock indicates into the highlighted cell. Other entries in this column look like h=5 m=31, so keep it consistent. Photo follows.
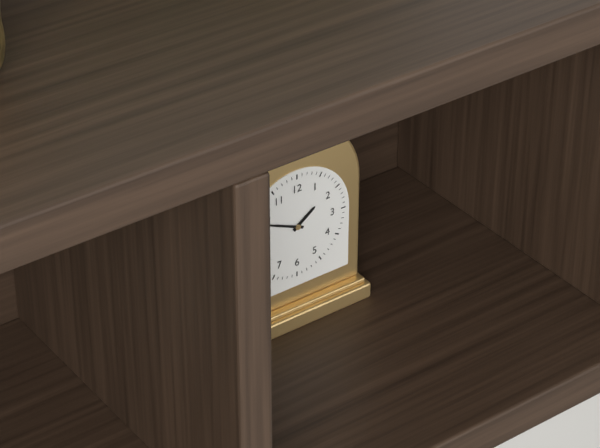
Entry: h=1 m=49
